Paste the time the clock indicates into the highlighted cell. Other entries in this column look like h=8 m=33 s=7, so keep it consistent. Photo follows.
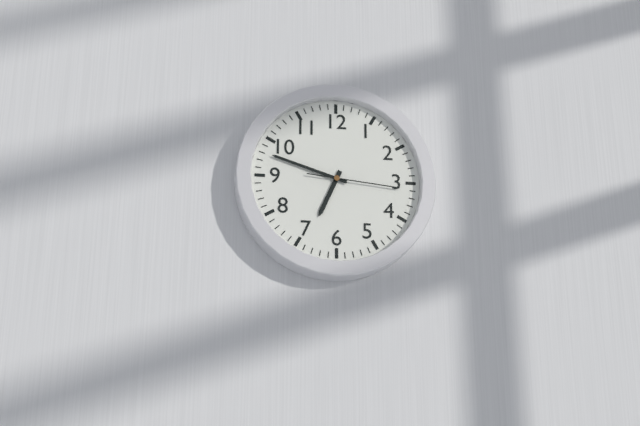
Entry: h=6 m=48 s=16
